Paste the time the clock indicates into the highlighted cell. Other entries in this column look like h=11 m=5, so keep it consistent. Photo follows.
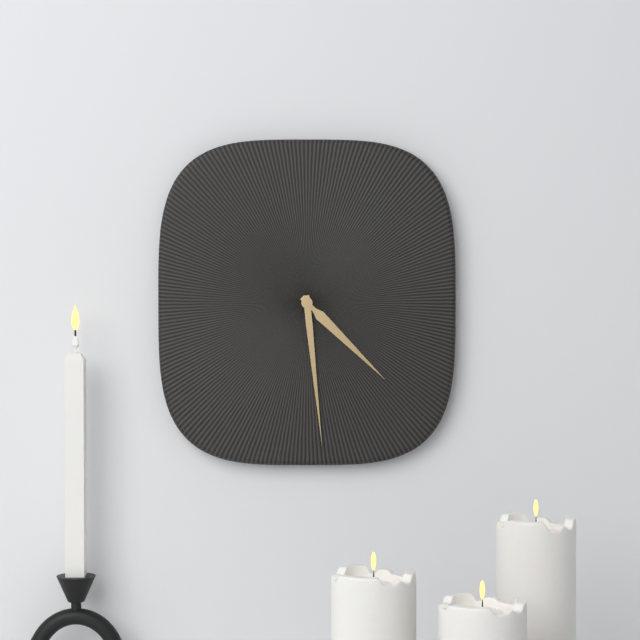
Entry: h=4 m=29
